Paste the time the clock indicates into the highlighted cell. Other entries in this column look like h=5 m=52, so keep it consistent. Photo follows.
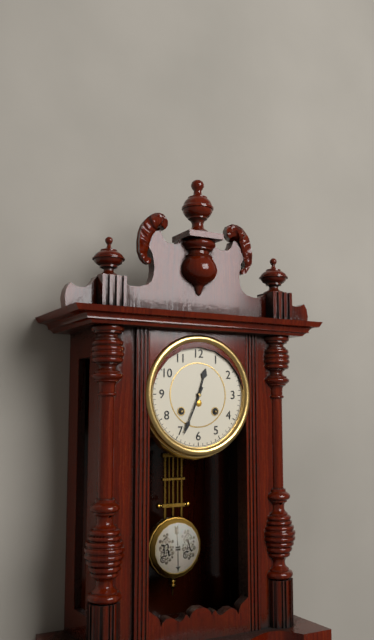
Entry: h=12 m=34
